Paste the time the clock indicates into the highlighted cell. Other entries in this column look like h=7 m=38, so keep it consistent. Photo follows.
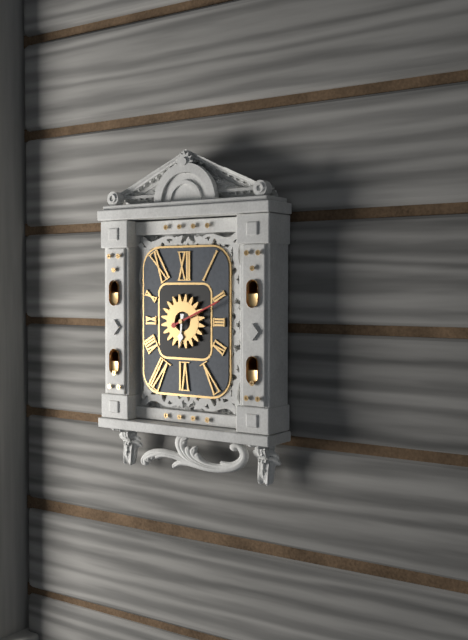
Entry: h=6 m=11
